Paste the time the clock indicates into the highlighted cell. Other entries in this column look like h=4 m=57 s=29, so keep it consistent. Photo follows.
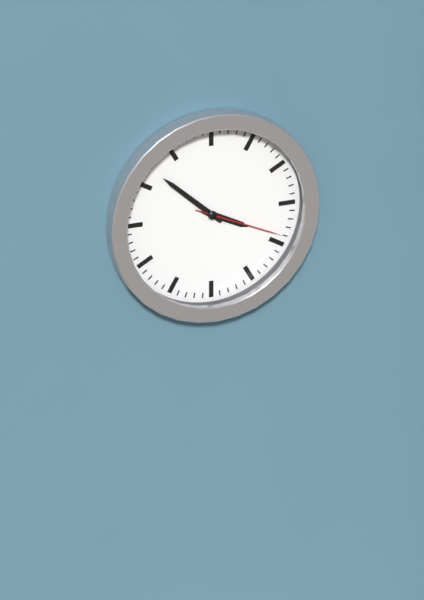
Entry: h=3 m=52 s=19
